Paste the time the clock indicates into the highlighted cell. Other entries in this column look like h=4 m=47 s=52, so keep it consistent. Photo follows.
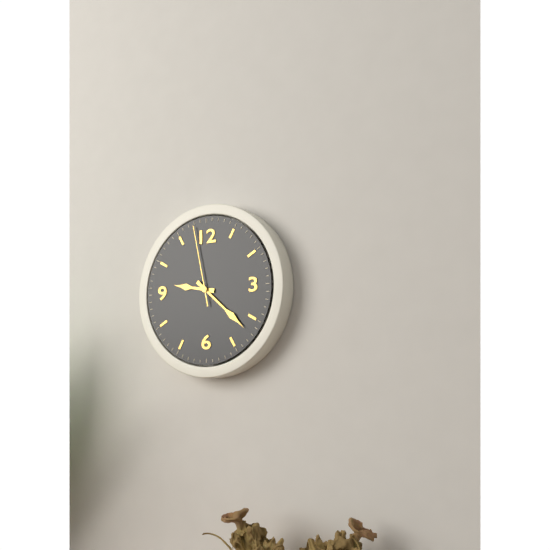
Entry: h=9 m=22 s=58
